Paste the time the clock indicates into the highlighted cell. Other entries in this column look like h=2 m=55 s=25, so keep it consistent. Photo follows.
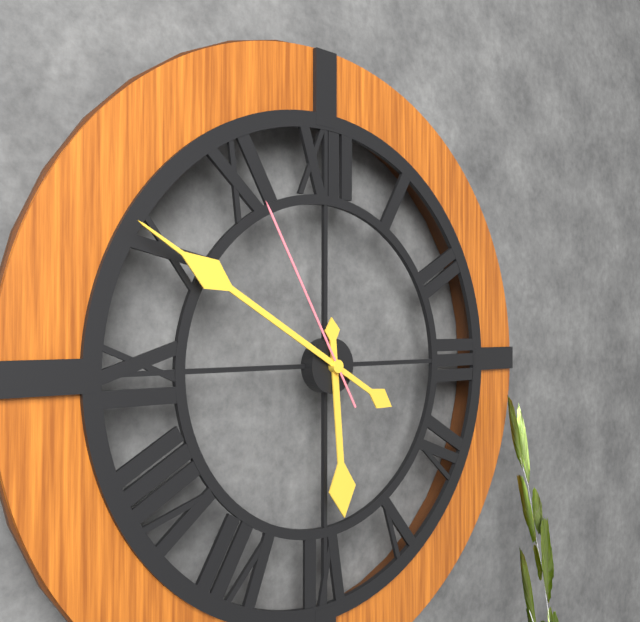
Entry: h=5 m=50 s=55
